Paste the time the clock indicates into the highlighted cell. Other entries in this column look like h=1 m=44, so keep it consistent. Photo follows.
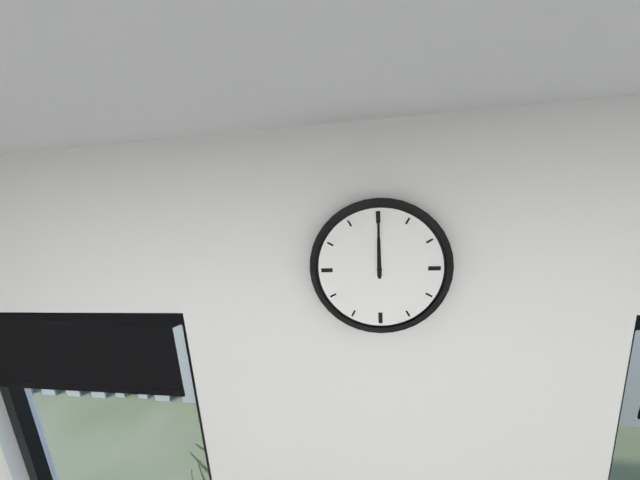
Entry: h=12 m=0
